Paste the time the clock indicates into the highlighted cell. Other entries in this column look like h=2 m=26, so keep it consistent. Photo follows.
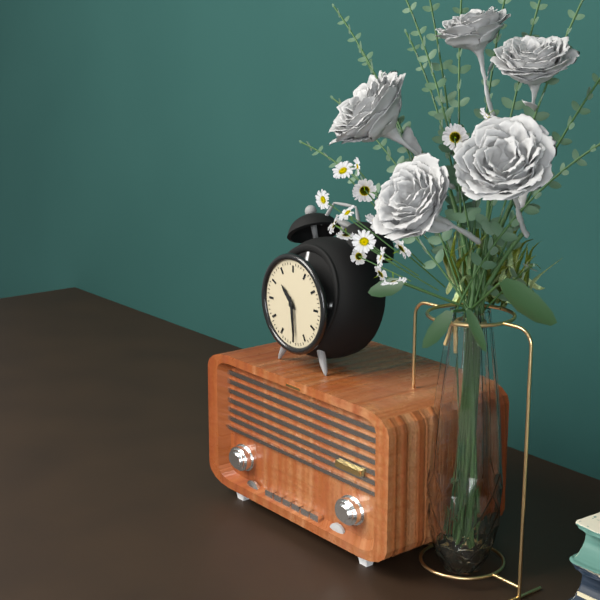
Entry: h=10 m=29
